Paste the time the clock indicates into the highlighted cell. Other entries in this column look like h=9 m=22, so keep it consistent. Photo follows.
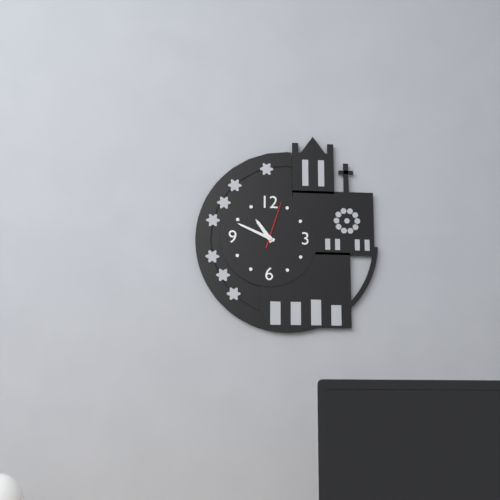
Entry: h=10 m=49
